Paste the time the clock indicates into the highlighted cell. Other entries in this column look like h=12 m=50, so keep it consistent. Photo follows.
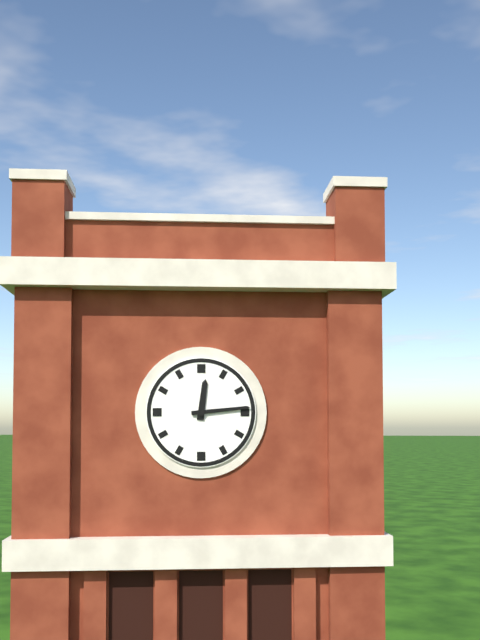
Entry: h=12 m=14
